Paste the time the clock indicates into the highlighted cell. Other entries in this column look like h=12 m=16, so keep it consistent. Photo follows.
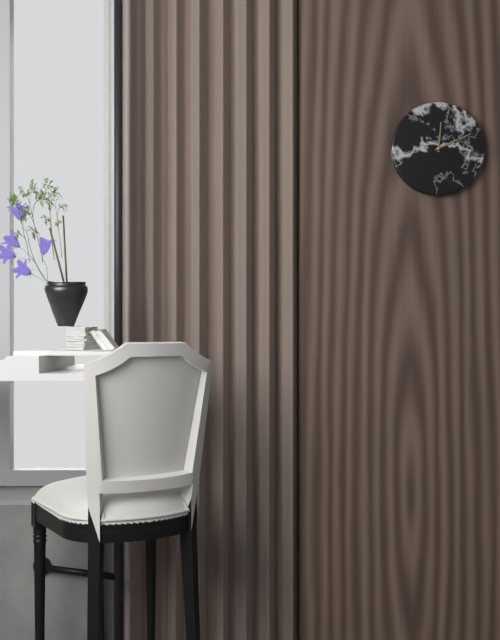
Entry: h=12 m=11
